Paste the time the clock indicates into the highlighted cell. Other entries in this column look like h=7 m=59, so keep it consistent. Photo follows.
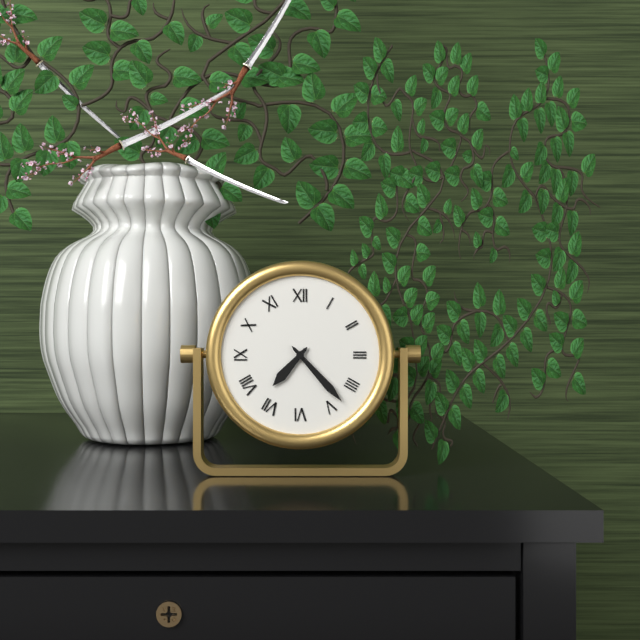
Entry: h=7 m=23
